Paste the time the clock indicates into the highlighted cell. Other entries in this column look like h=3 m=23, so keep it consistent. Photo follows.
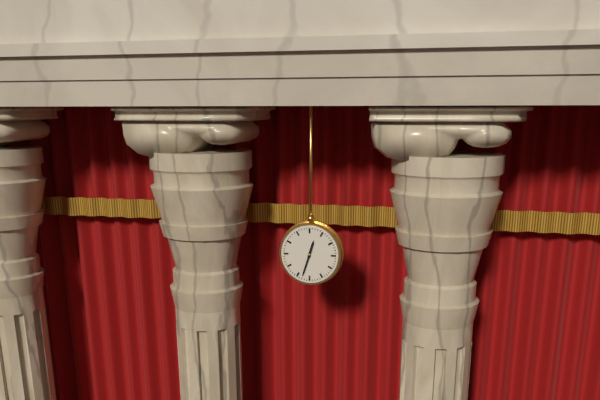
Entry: h=12 m=33
